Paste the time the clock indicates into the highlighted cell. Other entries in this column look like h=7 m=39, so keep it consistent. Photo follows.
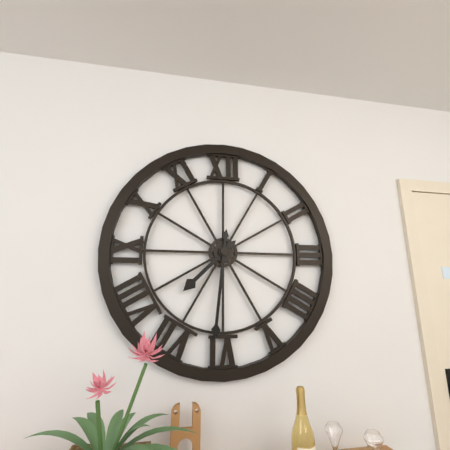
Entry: h=7 m=31
